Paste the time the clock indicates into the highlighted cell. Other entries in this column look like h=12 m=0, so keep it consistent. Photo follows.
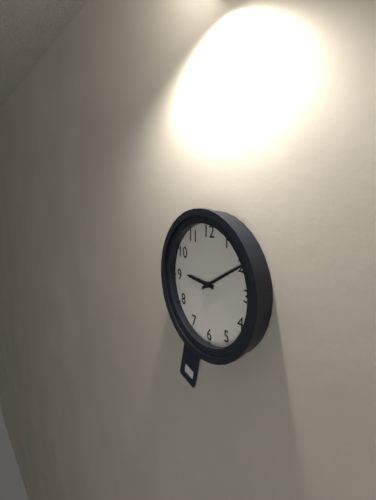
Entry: h=9 m=10
